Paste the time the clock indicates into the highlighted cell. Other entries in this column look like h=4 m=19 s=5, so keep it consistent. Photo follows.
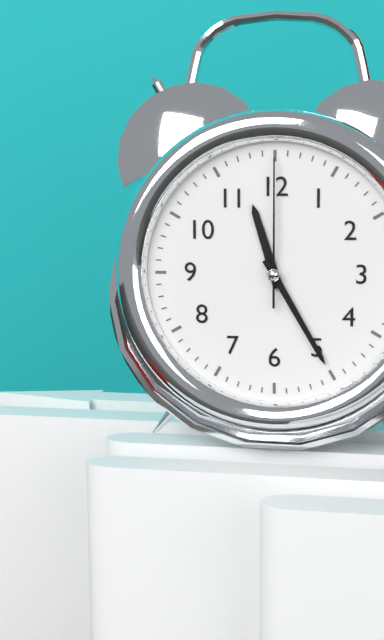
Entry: h=11 m=25 s=0
